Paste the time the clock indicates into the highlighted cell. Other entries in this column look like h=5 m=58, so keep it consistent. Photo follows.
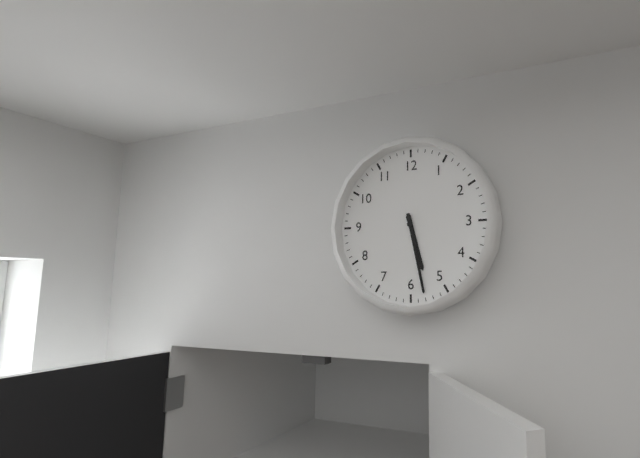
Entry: h=5 m=28
